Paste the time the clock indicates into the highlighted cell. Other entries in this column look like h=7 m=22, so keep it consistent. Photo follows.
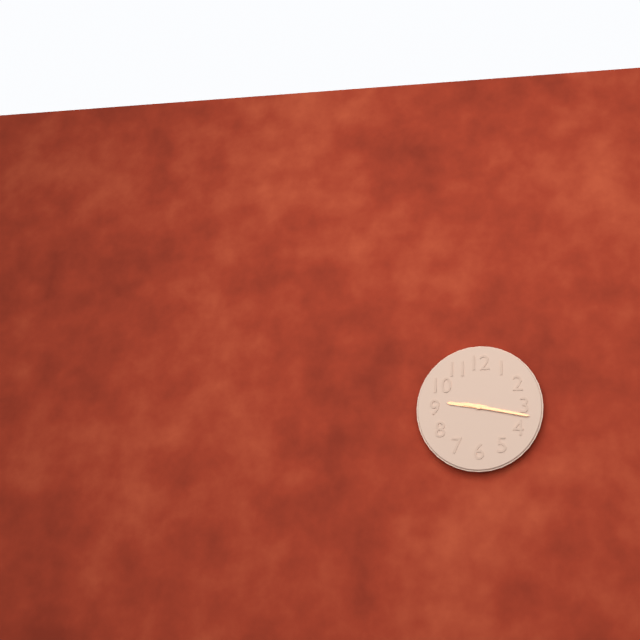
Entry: h=9 m=17
